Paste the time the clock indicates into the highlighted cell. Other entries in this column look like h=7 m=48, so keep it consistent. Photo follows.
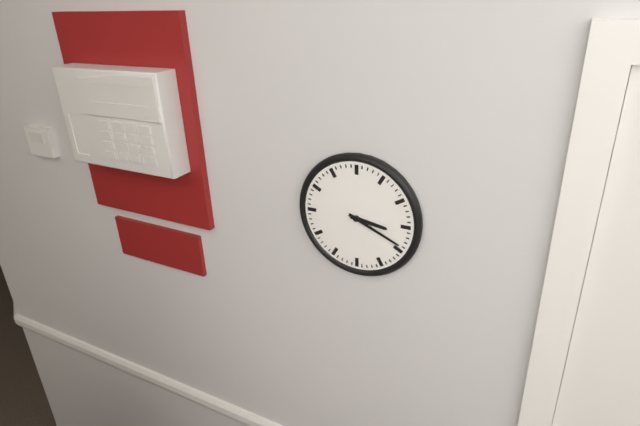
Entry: h=3 m=19
